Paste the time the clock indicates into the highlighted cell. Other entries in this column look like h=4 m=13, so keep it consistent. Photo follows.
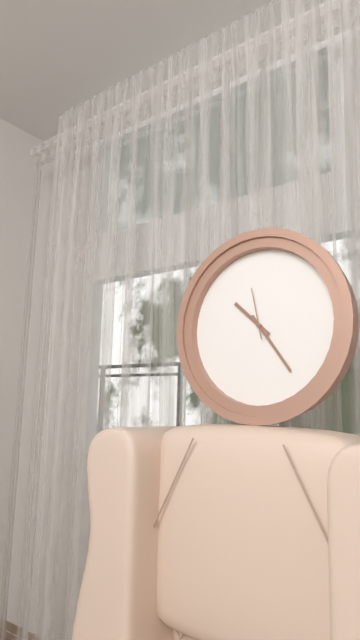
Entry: h=10 m=24
